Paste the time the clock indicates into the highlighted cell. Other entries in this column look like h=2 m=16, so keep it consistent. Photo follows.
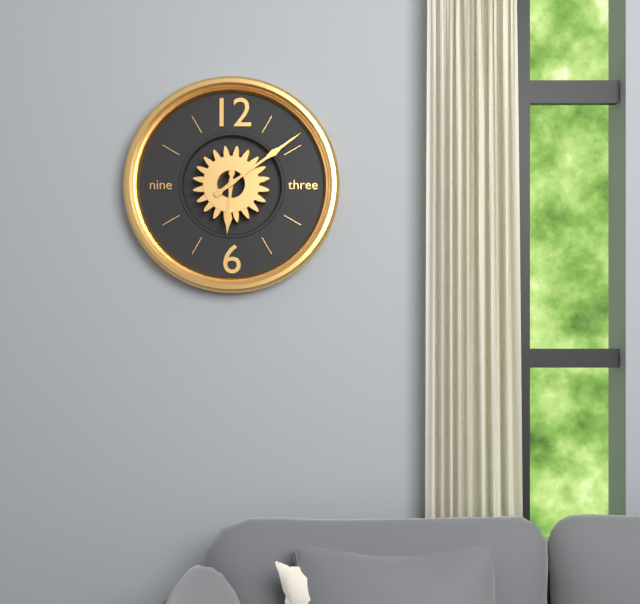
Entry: h=6 m=9
